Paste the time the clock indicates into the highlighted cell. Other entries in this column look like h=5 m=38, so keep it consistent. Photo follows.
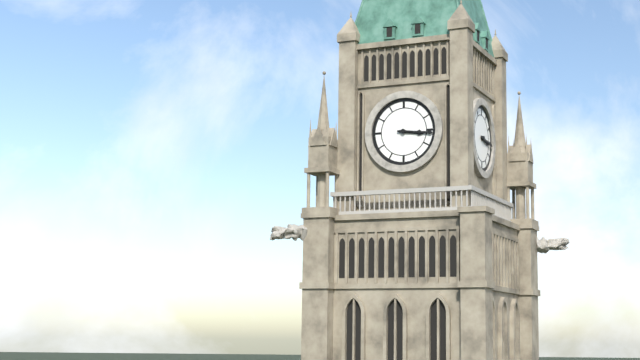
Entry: h=3 m=16
